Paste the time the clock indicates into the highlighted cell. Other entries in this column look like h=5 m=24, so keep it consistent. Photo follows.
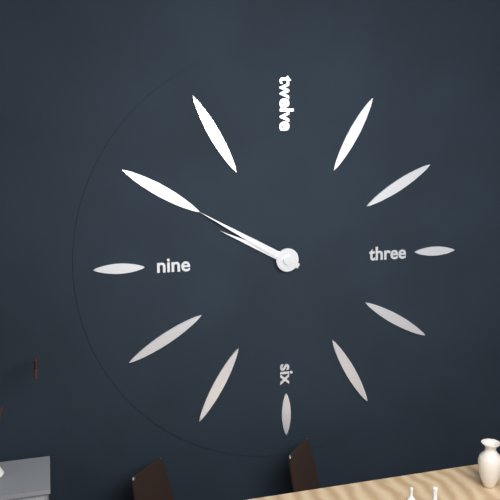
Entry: h=9 m=50
